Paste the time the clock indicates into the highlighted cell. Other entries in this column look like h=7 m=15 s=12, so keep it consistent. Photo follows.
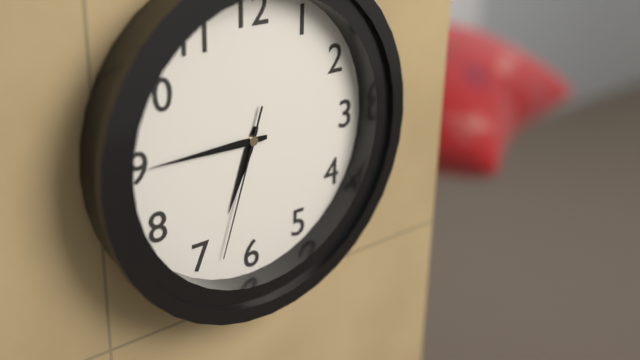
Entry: h=6 m=45 s=33
